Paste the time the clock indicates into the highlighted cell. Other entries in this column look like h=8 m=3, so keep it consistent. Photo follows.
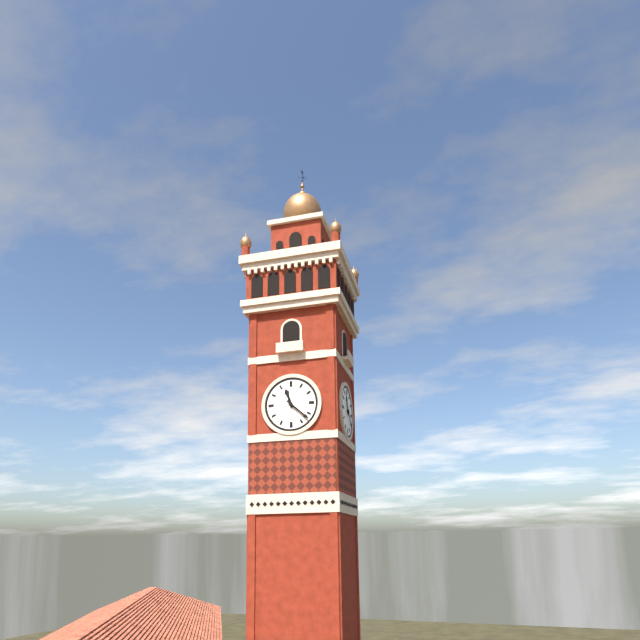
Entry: h=11 m=22
